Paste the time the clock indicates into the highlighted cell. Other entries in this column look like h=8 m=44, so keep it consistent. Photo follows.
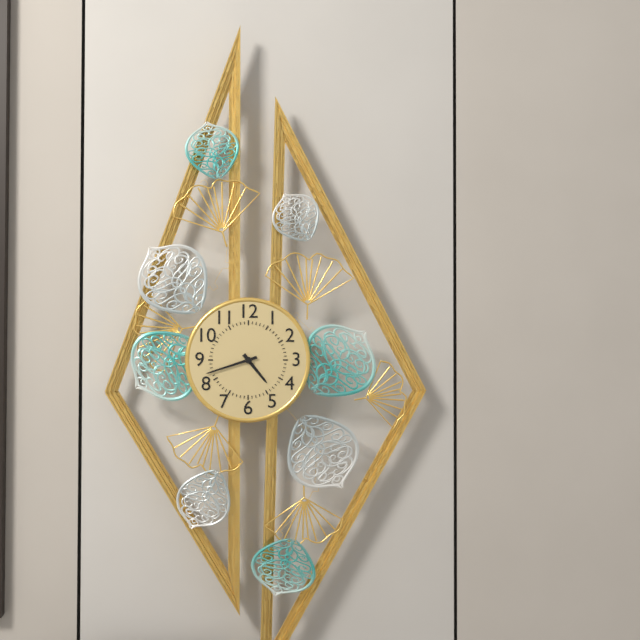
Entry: h=4 m=42
